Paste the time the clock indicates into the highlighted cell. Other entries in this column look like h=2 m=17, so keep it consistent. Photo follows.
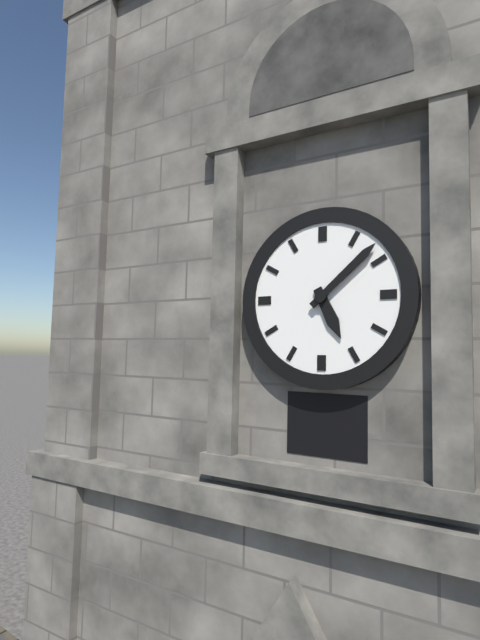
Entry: h=5 m=8
